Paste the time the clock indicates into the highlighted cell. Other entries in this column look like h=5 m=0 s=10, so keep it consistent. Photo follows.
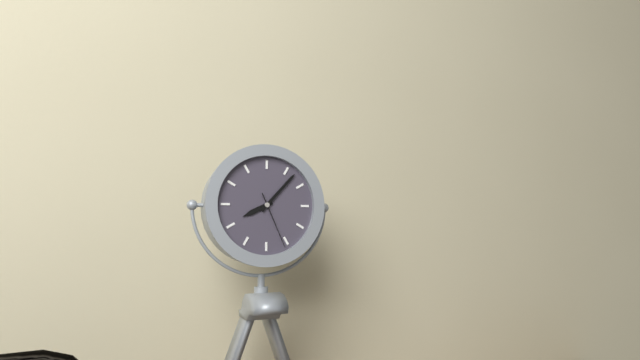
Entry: h=8 m=7 s=26
